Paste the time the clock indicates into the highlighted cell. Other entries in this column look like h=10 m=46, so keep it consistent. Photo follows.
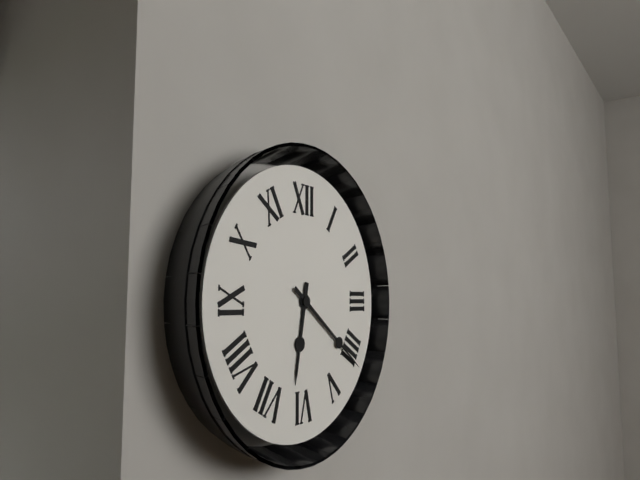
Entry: h=6 m=21
